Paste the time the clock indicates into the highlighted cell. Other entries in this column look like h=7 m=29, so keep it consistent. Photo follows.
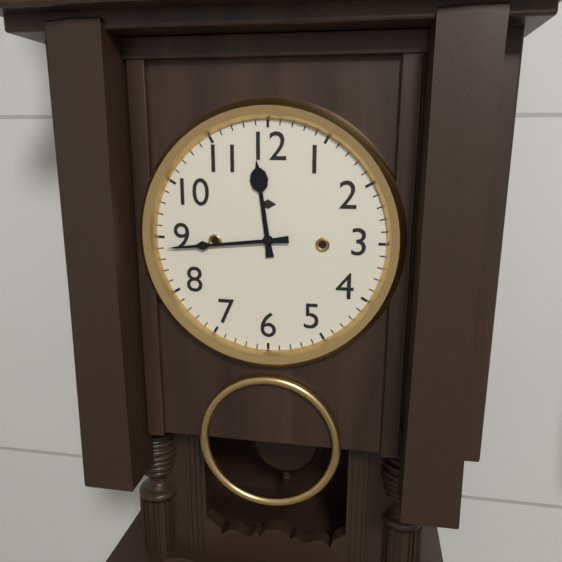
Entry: h=11 m=44
